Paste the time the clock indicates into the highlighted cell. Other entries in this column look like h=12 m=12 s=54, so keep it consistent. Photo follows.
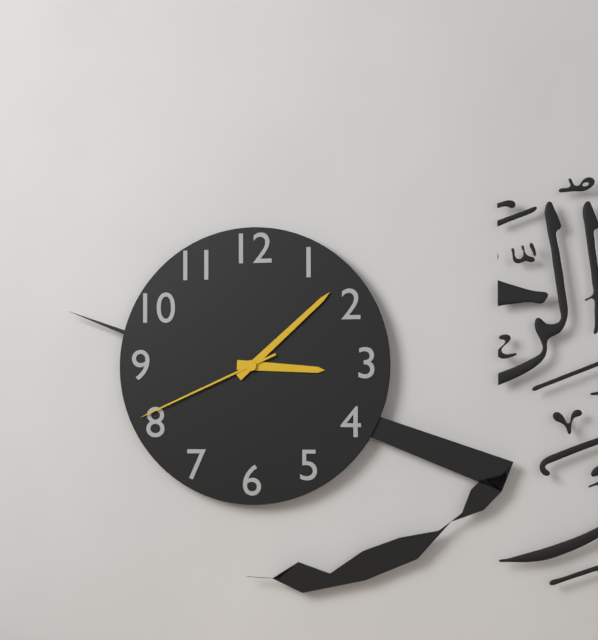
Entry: h=3 m=8 s=41
